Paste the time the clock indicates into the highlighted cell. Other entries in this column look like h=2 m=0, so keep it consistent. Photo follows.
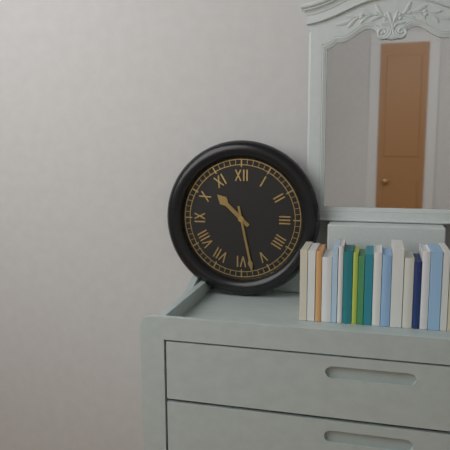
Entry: h=10 m=28
